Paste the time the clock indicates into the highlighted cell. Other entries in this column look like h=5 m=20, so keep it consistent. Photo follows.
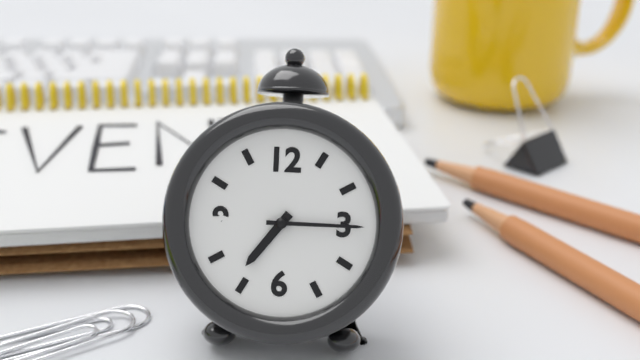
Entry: h=7 m=15
